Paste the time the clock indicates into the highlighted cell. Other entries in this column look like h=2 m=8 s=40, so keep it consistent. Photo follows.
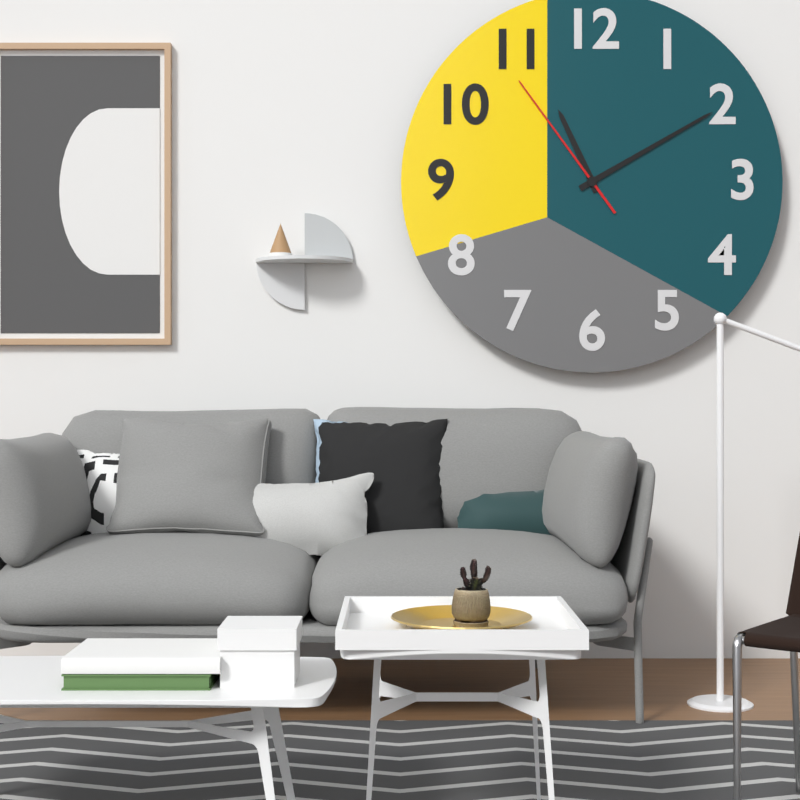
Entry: h=11 m=10 s=54
